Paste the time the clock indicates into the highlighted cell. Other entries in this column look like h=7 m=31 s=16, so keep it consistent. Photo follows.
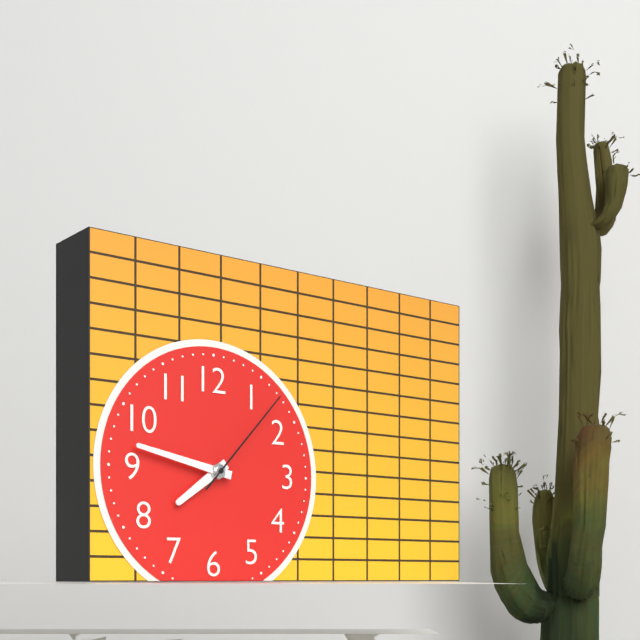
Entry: h=7 m=47 s=7
